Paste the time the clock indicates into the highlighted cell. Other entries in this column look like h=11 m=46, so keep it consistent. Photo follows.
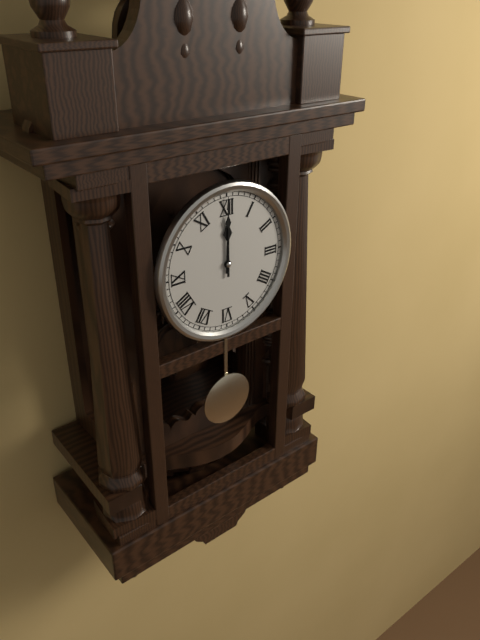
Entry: h=12 m=0
